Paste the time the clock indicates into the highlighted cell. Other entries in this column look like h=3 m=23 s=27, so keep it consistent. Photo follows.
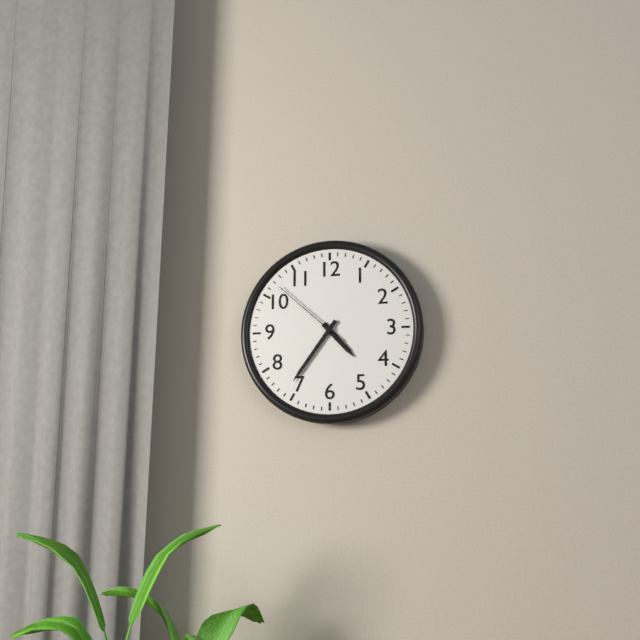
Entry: h=4 m=36 s=52
